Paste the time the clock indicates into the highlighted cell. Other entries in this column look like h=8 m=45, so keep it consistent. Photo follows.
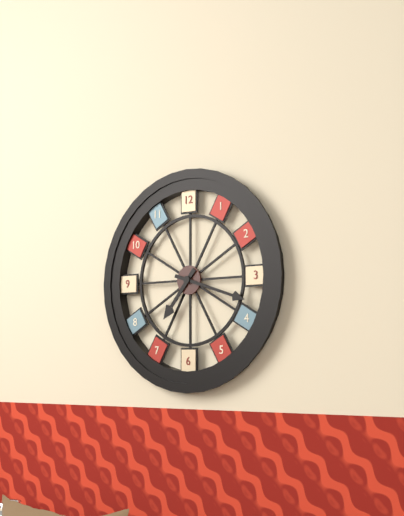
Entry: h=7 m=18
